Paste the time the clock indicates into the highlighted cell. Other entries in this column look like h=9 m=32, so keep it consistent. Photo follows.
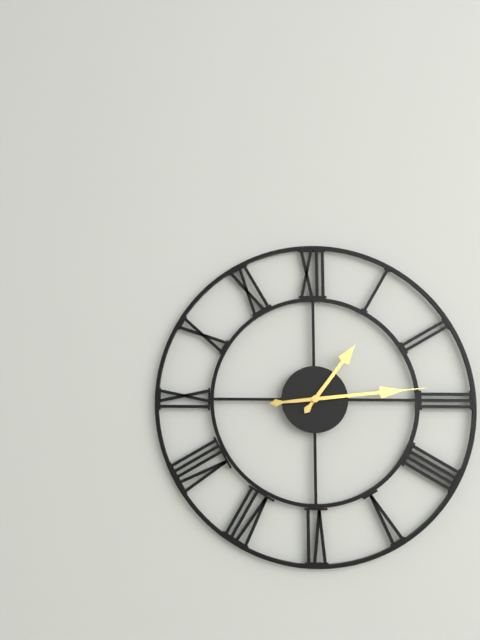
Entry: h=1 m=14
